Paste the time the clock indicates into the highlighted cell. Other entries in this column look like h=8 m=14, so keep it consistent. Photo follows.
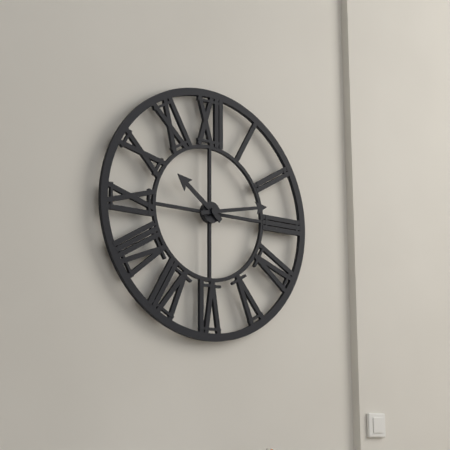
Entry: h=10 m=13
